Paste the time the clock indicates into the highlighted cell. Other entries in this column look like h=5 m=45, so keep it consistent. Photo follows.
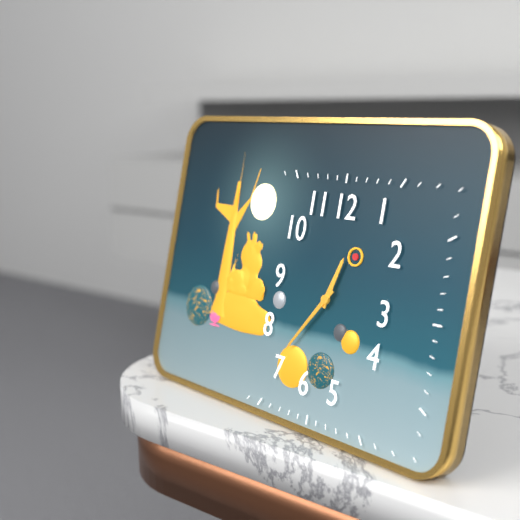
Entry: h=12 m=36
